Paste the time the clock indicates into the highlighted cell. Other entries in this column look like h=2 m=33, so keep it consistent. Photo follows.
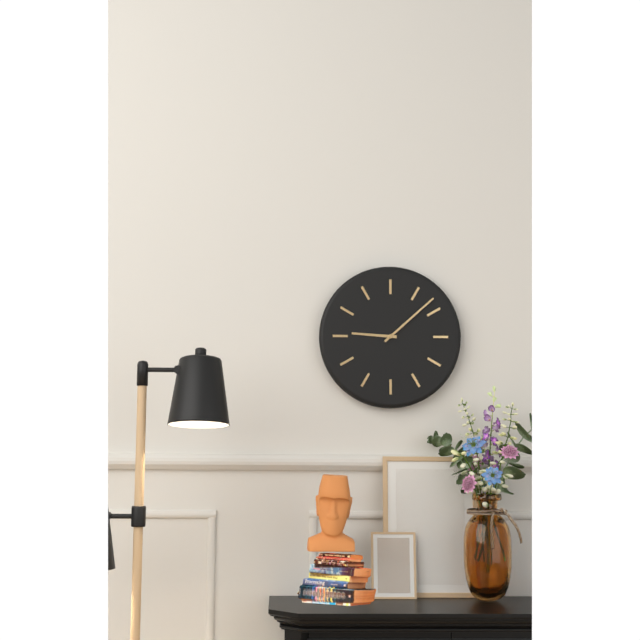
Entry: h=9 m=8
